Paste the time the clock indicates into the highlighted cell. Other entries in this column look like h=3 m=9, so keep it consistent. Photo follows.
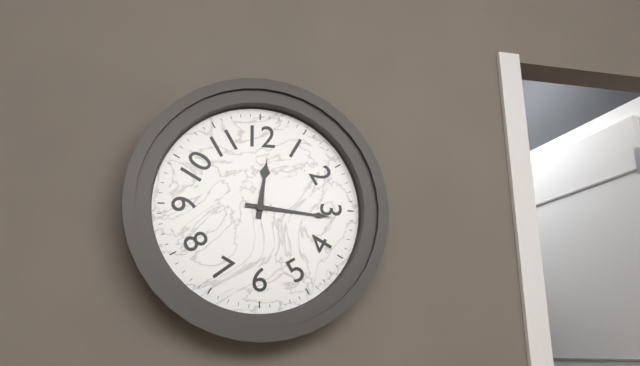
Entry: h=12 m=16
